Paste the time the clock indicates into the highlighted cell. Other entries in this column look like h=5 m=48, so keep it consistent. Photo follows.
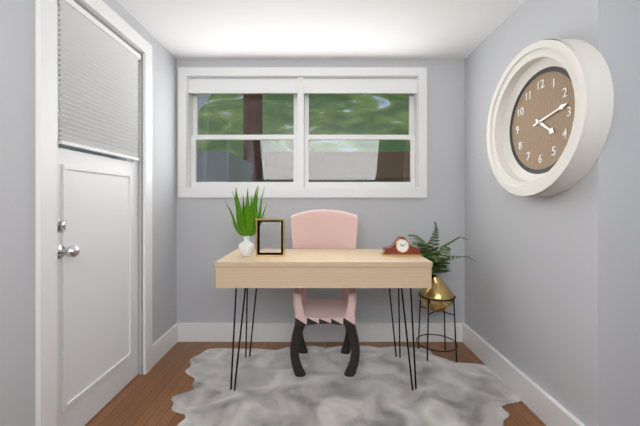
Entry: h=4 m=13
